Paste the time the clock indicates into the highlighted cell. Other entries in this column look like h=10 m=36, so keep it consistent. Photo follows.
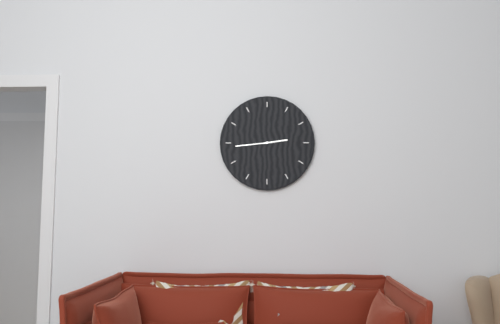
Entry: h=2 m=44
